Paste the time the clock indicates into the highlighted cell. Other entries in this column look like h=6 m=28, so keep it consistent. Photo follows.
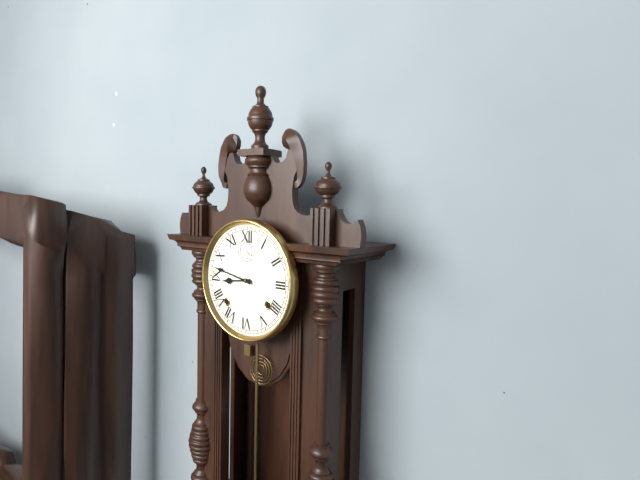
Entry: h=8 m=47
